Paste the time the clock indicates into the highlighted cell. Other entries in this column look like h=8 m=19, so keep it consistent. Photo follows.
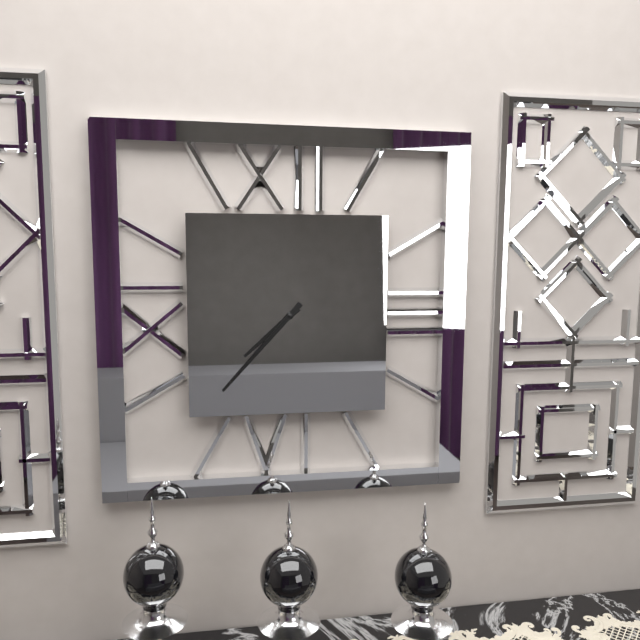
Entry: h=7 m=37
